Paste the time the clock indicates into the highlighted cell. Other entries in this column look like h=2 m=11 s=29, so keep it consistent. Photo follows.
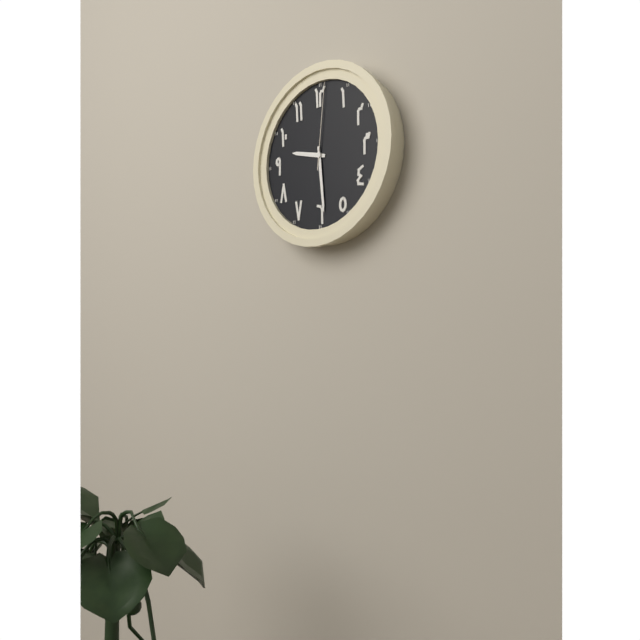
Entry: h=9 m=29 s=1
